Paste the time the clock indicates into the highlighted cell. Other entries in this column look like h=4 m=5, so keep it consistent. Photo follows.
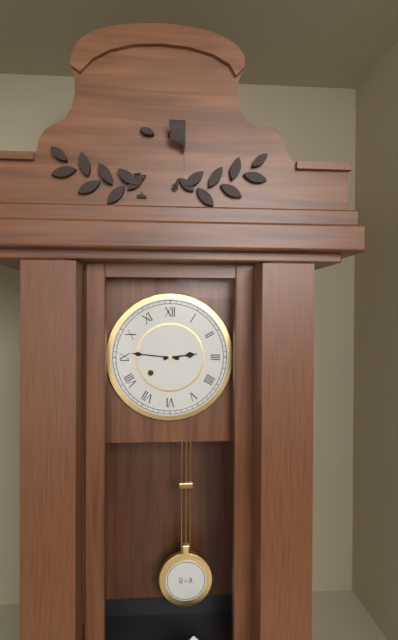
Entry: h=2 m=46
